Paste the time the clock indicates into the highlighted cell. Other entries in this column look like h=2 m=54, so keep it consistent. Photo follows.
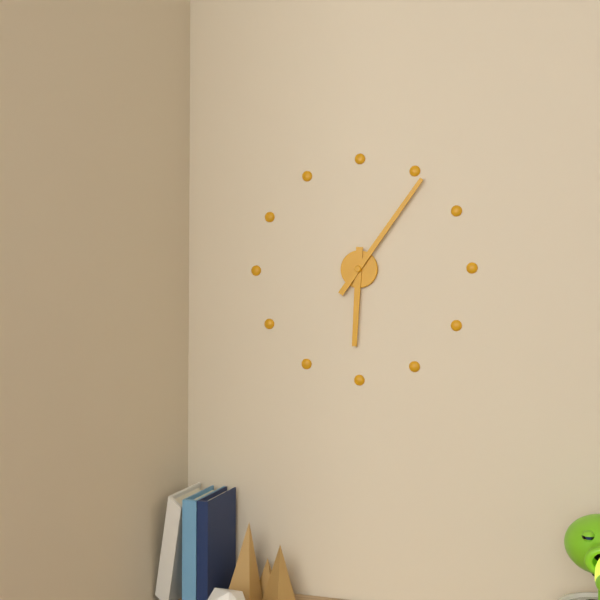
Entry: h=6 m=6
